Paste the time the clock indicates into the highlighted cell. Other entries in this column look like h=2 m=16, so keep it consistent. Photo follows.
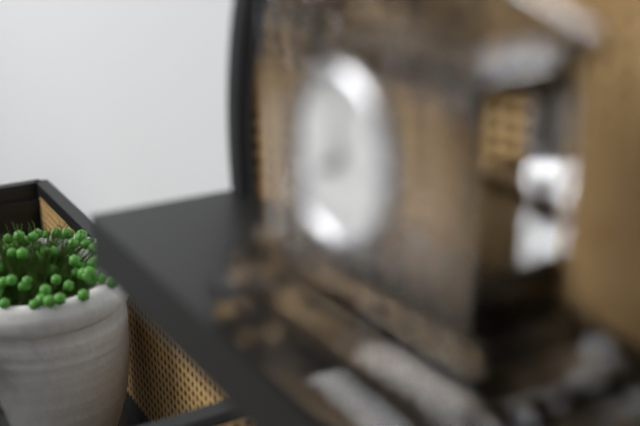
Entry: h=8 m=0
